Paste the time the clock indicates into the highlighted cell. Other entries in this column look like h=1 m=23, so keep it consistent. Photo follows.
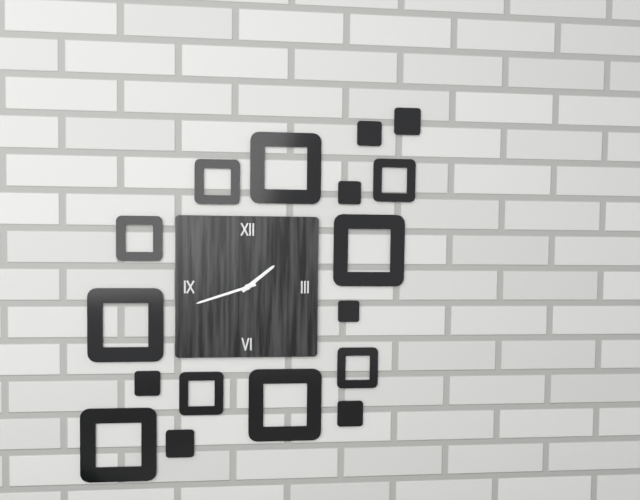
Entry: h=1 m=42
